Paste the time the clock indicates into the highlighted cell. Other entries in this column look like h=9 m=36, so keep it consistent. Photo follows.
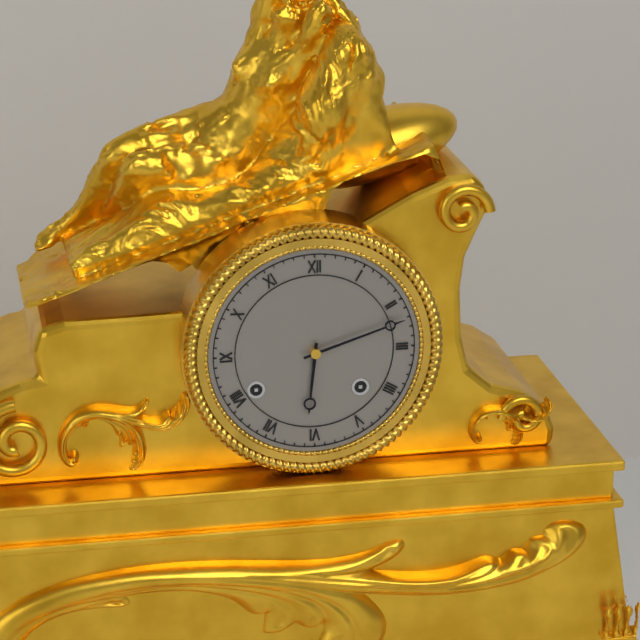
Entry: h=6 m=12
